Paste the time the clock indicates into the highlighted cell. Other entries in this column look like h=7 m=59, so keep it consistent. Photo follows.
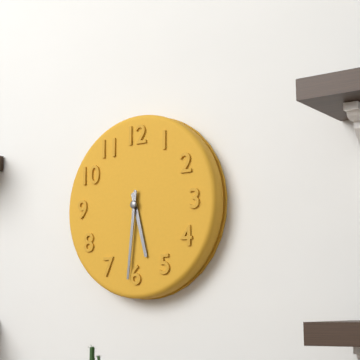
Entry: h=5 m=31
